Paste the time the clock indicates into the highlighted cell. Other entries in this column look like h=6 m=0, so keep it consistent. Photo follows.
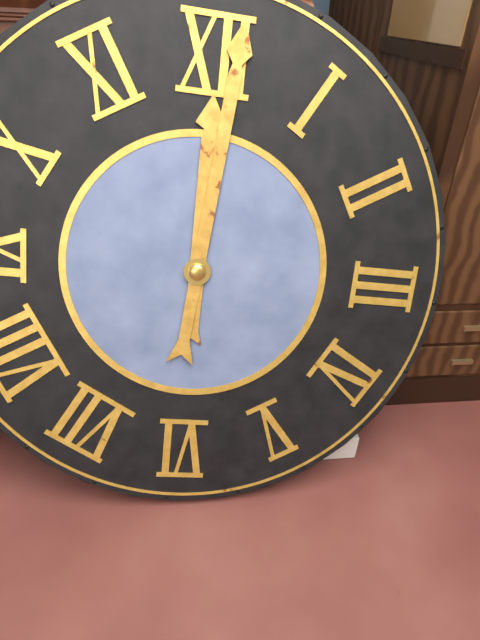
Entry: h=12 m=1
